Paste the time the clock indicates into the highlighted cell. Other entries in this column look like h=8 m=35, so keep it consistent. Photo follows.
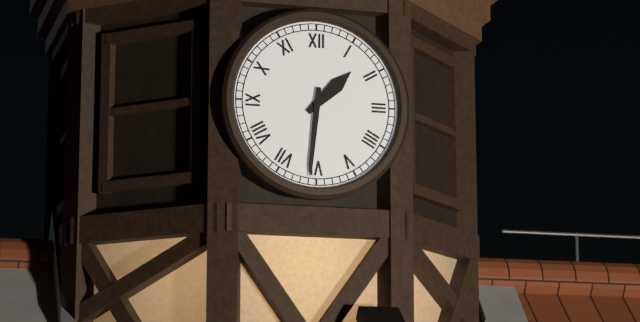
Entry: h=1 m=31
